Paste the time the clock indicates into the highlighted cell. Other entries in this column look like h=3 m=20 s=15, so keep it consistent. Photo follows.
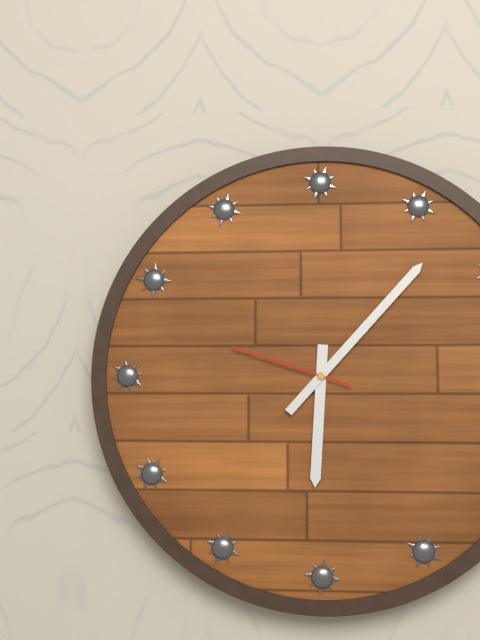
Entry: h=6 m=7 s=48
